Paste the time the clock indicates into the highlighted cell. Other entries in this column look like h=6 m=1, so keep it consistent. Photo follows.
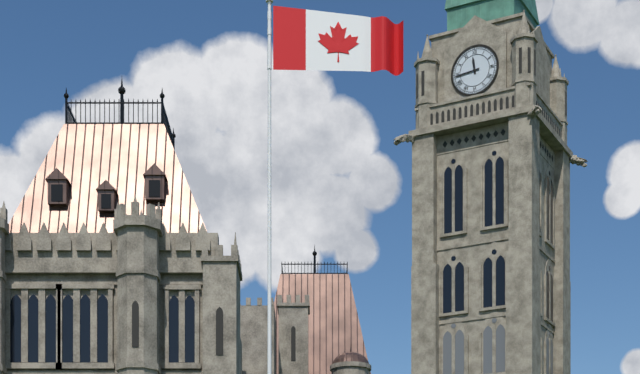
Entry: h=11 m=44
